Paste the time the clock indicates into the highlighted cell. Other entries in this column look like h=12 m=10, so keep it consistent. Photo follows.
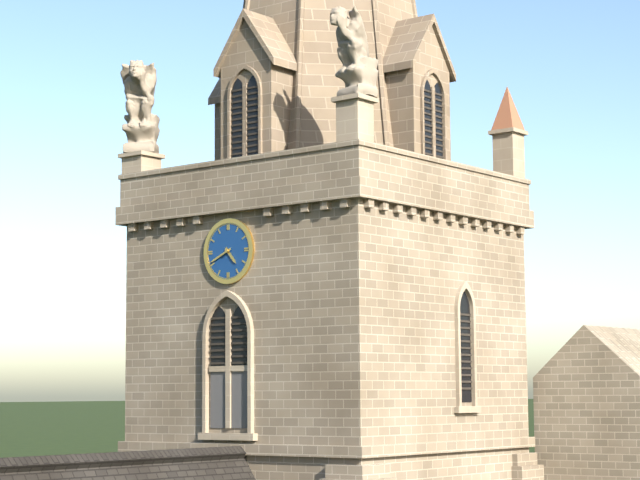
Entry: h=4 m=41
